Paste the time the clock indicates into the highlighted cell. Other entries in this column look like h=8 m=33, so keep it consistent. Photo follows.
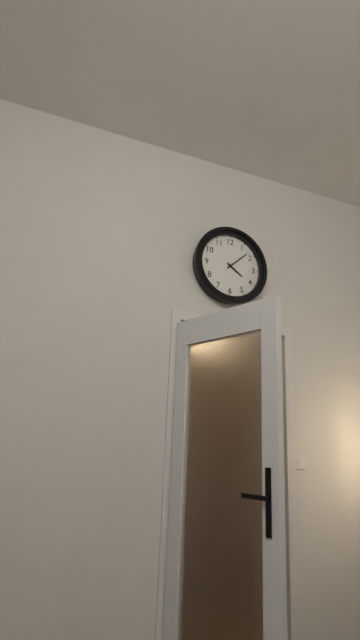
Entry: h=4 m=8
